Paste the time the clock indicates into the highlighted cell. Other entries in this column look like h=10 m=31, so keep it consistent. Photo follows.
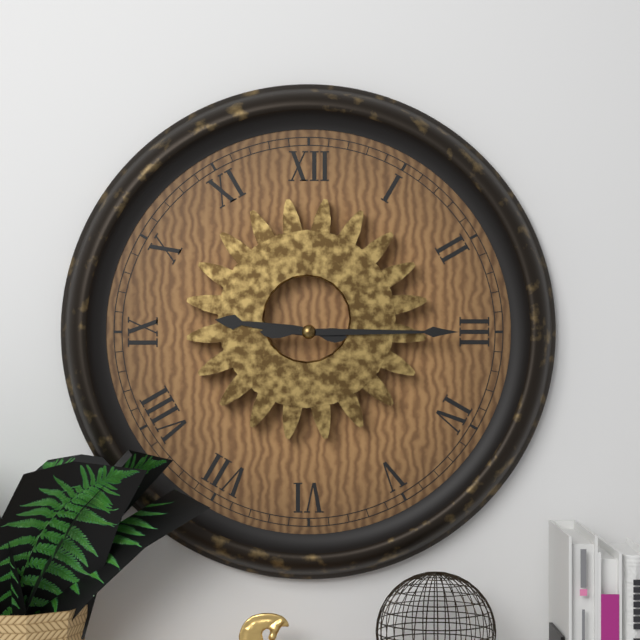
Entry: h=9 m=15
